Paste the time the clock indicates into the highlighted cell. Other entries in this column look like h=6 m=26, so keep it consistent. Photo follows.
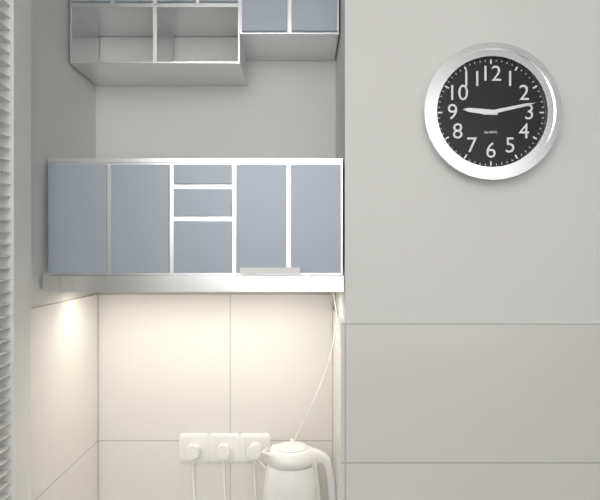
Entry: h=9 m=13
